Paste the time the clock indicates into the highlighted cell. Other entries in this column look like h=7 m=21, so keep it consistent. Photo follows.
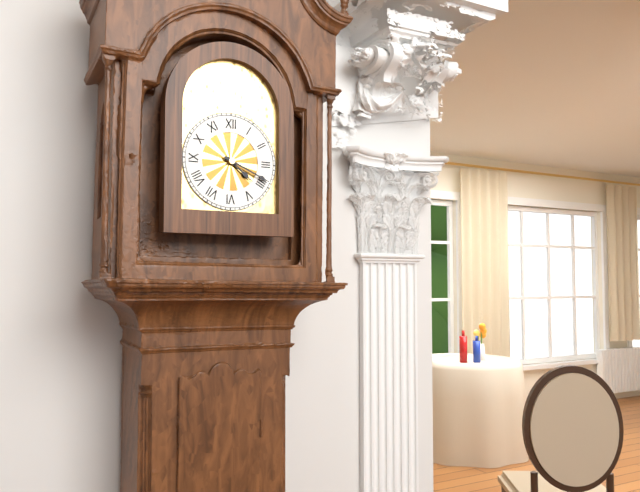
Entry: h=4 m=19
